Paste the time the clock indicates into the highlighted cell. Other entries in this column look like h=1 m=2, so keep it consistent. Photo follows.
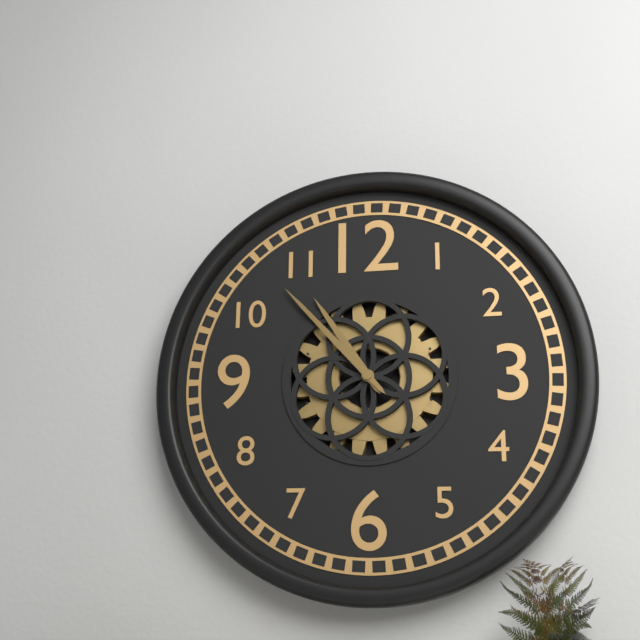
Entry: h=10 m=53
